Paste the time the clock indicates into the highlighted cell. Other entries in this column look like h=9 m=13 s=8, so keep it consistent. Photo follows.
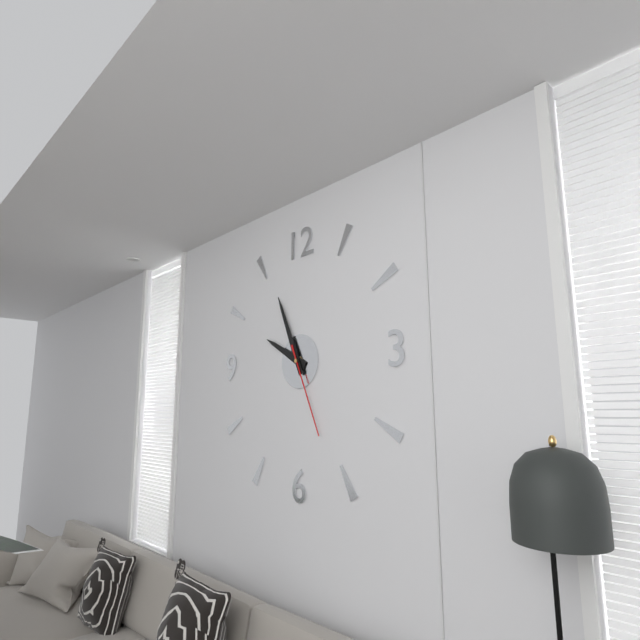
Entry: h=9 m=56 s=26
